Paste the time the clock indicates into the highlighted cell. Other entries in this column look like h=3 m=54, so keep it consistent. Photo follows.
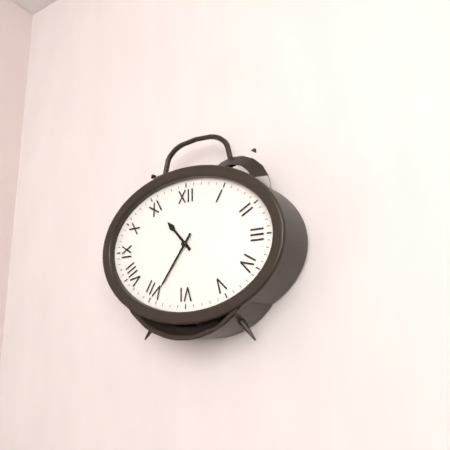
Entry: h=10 m=36
